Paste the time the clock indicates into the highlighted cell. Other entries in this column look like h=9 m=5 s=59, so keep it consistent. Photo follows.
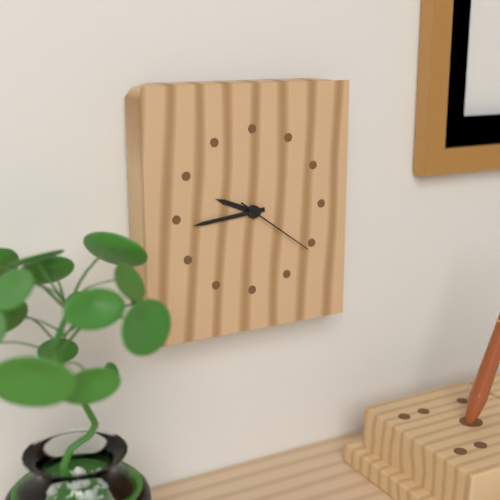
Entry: h=9 m=44 s=21
